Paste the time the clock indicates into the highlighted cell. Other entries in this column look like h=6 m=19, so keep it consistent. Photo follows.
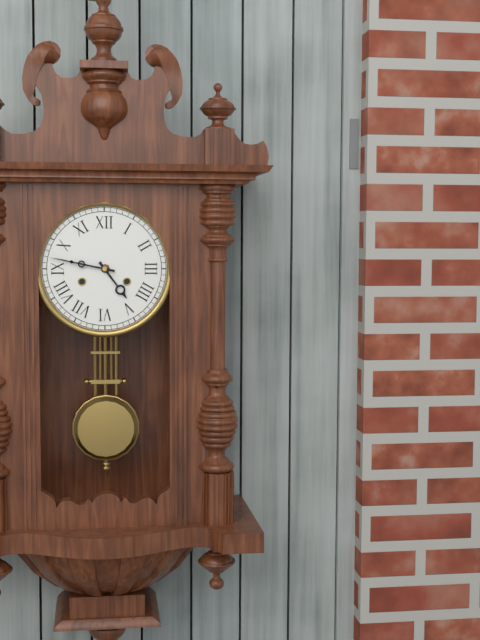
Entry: h=4 m=47
